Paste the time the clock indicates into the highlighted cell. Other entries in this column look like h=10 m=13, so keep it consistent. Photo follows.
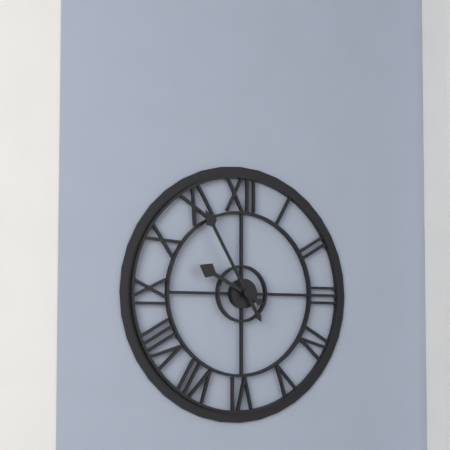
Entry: h=9 m=55
